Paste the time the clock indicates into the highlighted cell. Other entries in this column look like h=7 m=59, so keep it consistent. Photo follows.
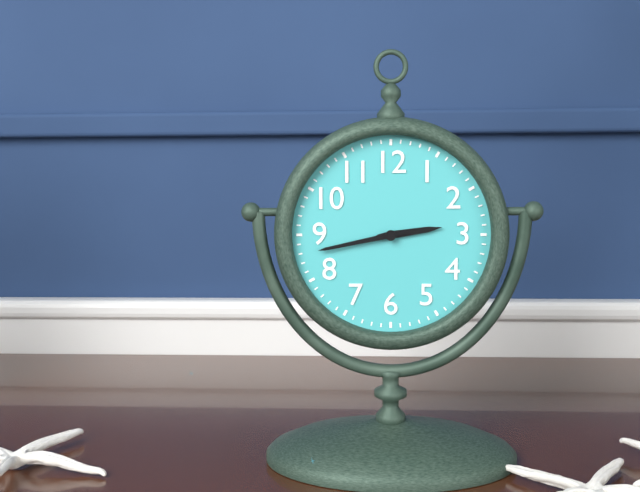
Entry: h=2 m=43
